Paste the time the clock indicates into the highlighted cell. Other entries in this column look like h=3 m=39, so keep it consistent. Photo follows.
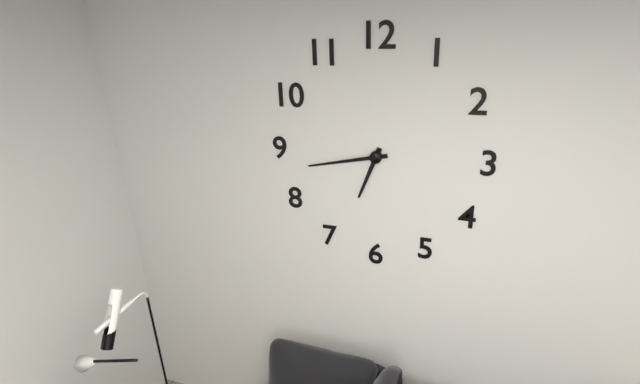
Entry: h=6 m=43
